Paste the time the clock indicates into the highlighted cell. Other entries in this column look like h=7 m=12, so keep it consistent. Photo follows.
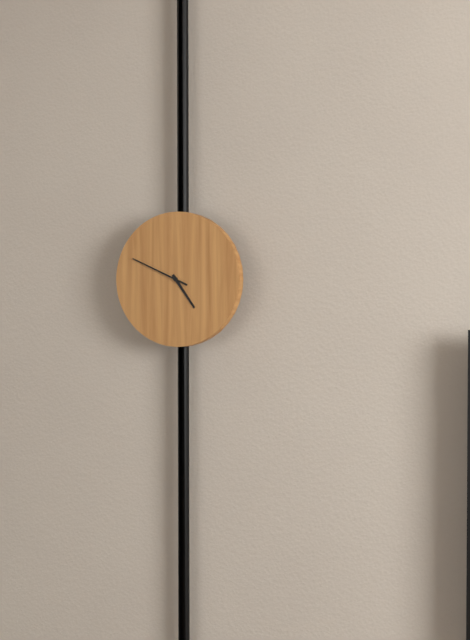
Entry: h=4 m=49
